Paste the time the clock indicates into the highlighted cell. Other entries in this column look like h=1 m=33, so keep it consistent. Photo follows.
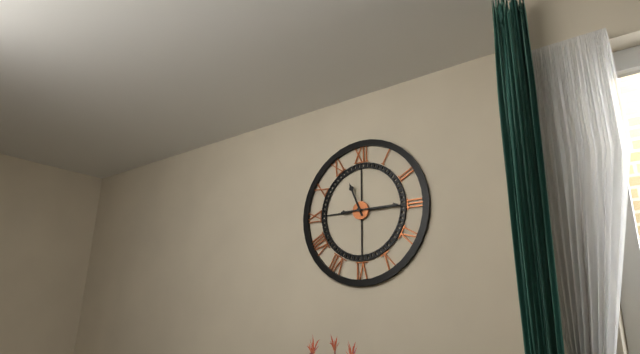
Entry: h=11 m=15
